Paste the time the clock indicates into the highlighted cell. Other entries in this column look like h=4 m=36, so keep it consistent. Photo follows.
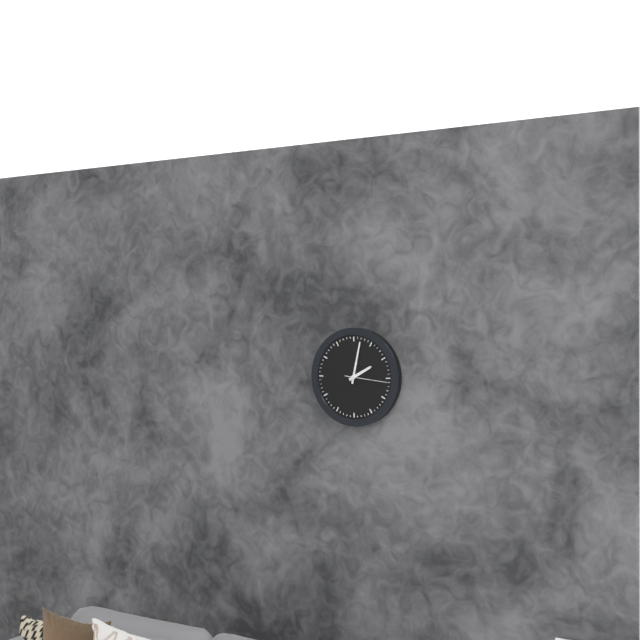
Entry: h=2 m=2
